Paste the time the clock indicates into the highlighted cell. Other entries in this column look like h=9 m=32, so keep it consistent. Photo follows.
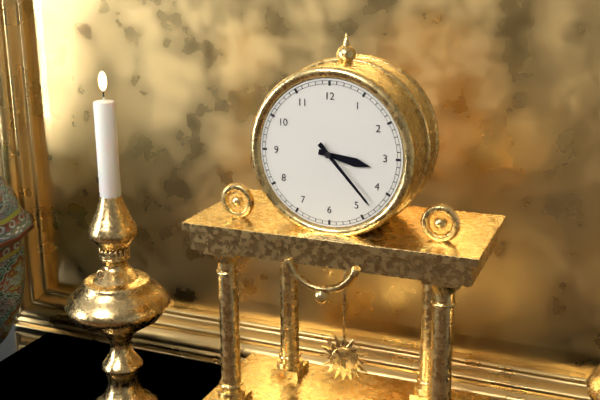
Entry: h=3 m=23
